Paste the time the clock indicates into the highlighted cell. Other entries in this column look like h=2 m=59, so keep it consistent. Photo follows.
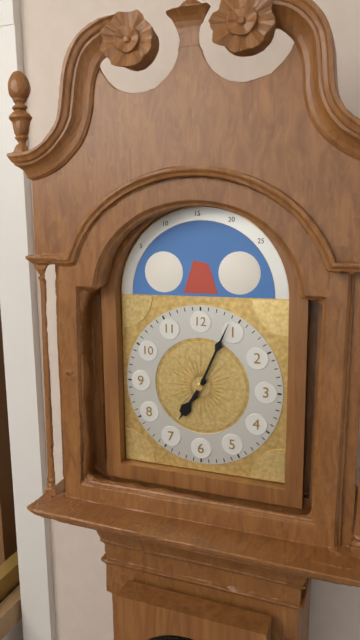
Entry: h=7 m=4
